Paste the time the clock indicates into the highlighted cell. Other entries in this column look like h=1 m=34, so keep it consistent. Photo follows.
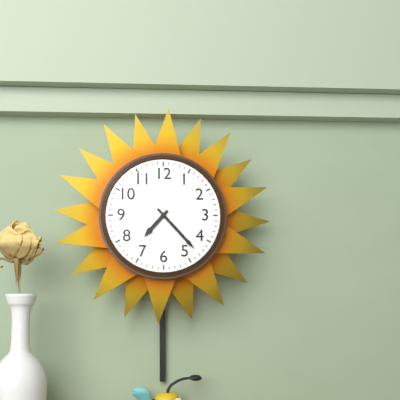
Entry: h=7 m=23
